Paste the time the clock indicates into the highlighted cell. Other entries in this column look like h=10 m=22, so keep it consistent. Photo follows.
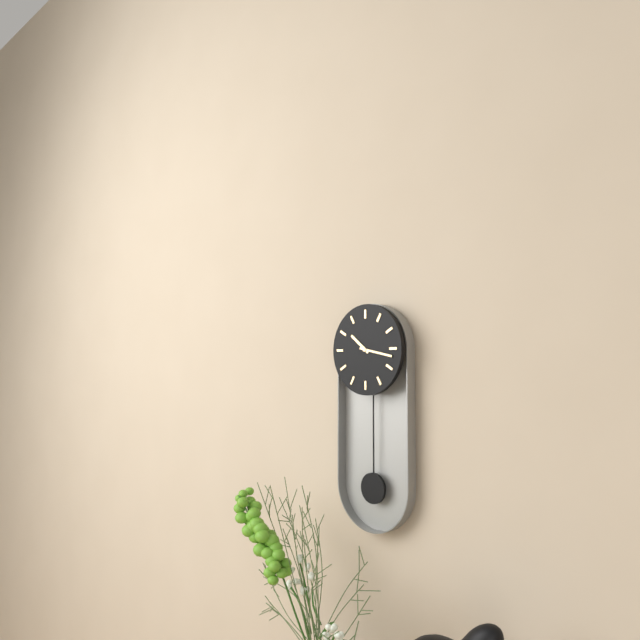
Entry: h=10 m=17
